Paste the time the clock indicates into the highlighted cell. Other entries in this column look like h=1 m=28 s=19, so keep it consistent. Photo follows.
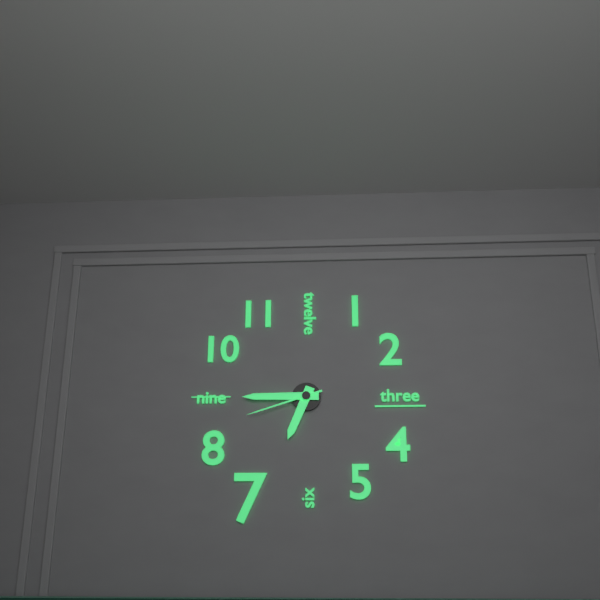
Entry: h=6 m=45 s=42
